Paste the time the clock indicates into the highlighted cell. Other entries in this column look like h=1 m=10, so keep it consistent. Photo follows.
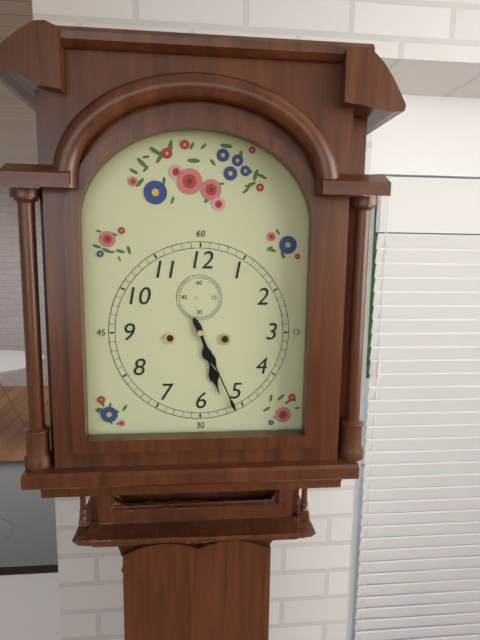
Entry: h=5 m=26
